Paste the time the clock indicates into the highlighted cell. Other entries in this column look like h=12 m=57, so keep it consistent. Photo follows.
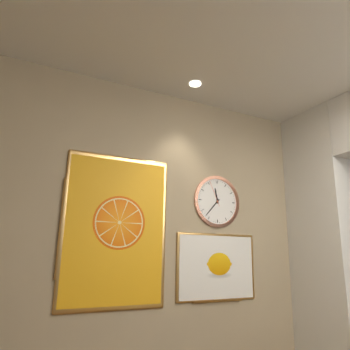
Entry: h=11 m=37
